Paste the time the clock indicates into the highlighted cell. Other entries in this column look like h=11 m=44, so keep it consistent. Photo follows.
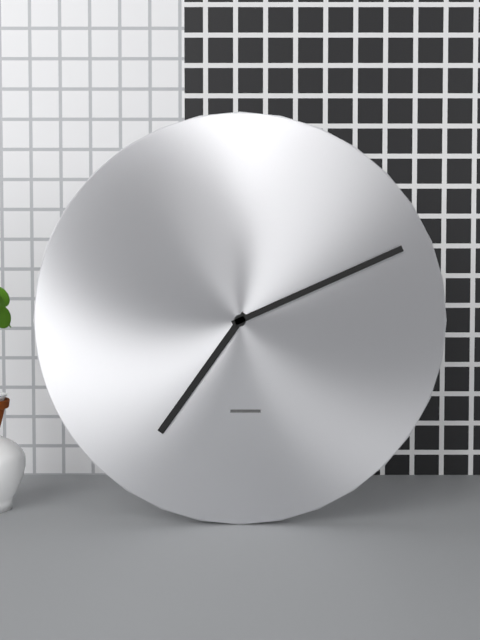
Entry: h=7 m=11
